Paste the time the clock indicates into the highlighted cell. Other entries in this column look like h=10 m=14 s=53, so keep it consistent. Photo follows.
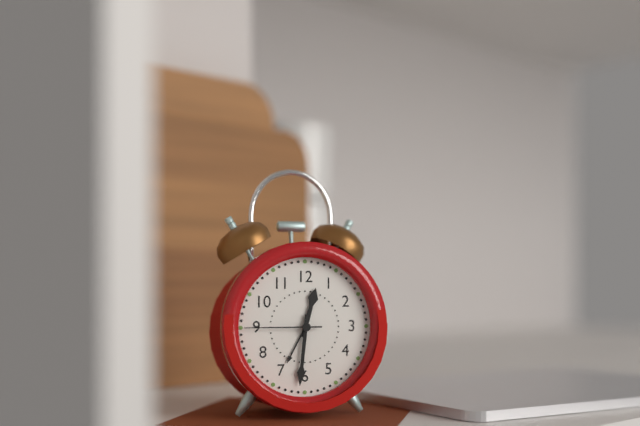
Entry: h=12 m=31 s=45
